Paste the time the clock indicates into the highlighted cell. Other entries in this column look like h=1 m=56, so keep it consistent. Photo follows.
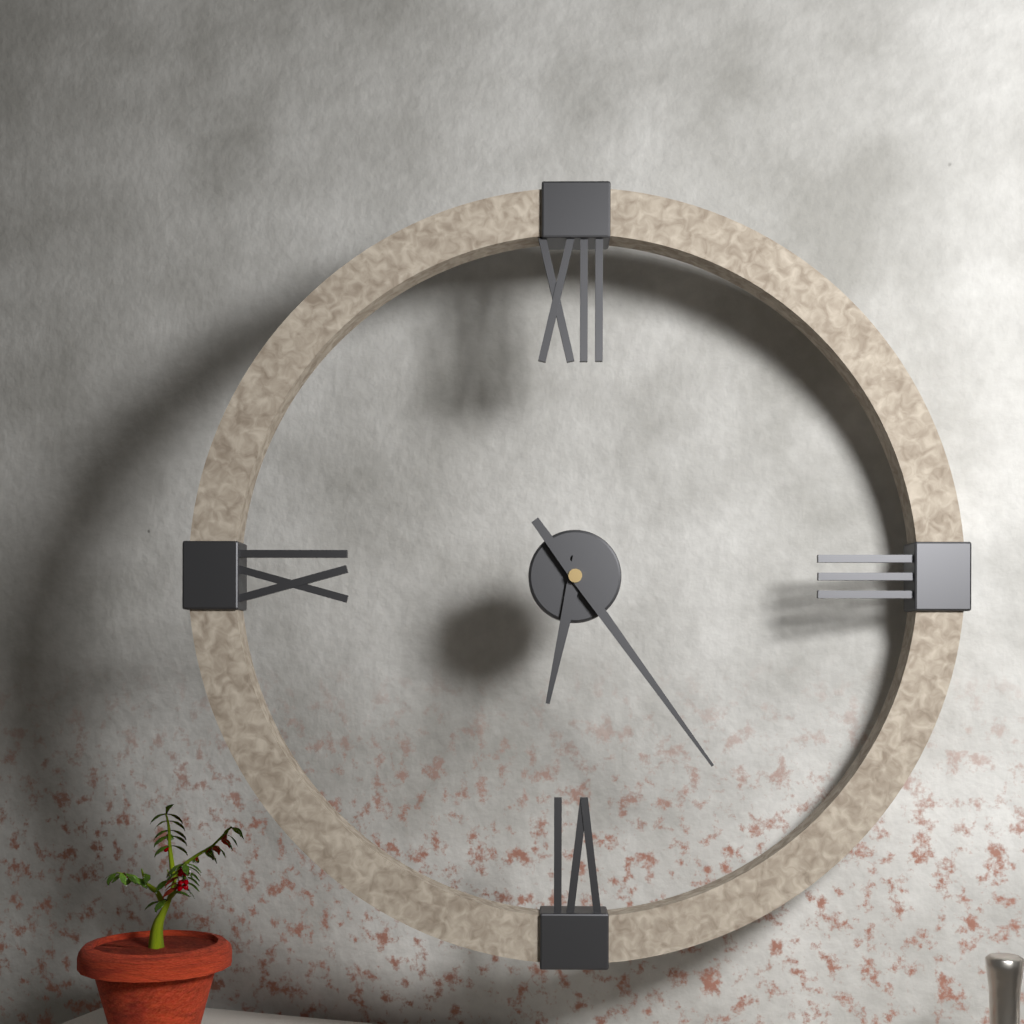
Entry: h=6 m=24
